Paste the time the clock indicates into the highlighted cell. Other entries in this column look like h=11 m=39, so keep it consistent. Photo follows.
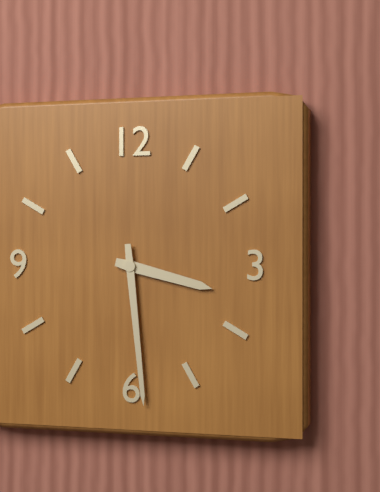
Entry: h=3 m=29
